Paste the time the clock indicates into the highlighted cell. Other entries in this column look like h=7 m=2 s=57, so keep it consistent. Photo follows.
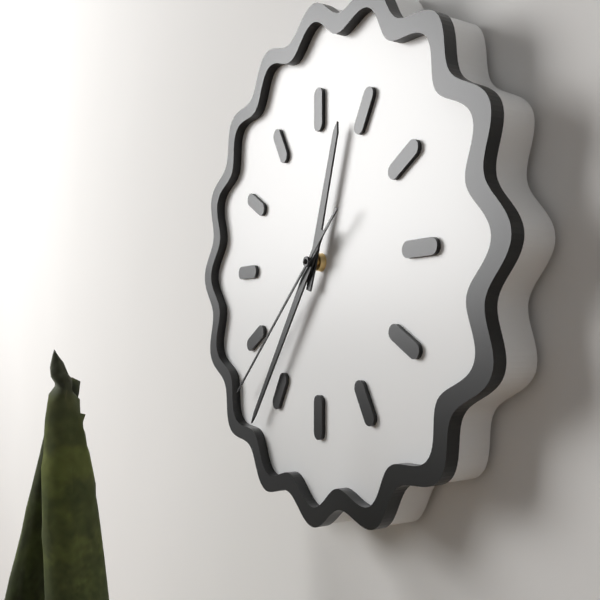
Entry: h=12 m=36 s=38
